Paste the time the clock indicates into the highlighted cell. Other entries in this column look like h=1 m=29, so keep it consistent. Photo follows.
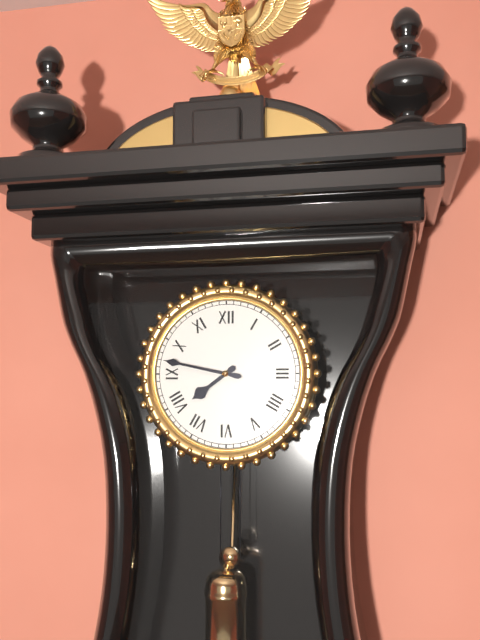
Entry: h=7 m=47
